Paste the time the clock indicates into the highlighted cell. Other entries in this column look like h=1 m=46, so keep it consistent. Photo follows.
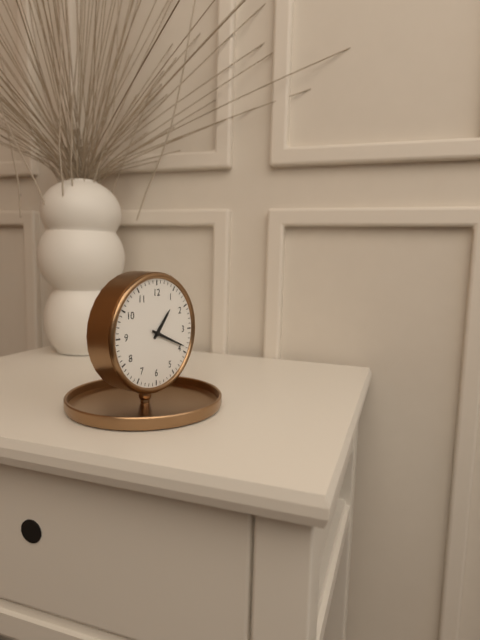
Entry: h=1 m=19
